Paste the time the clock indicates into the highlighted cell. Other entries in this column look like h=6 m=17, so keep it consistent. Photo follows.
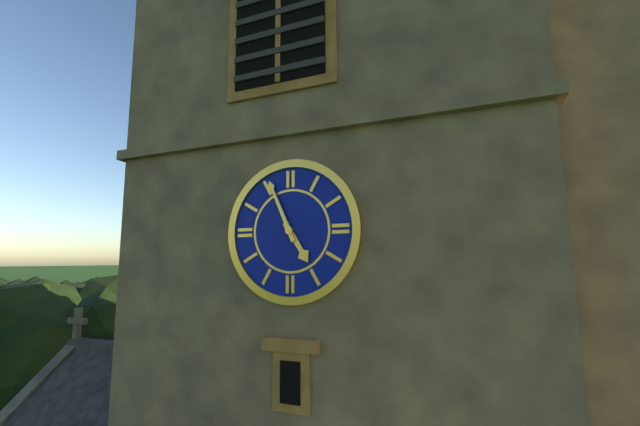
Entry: h=4 m=56
